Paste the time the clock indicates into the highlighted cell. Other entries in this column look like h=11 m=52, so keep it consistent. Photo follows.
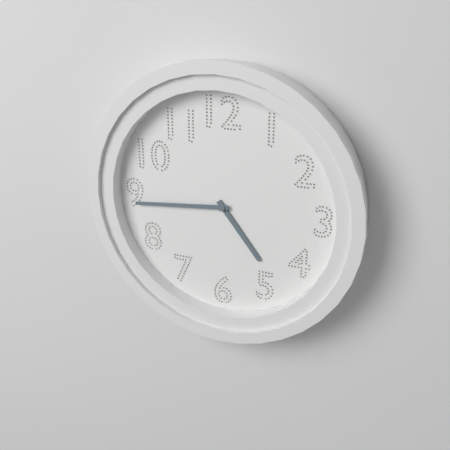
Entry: h=4 m=44
